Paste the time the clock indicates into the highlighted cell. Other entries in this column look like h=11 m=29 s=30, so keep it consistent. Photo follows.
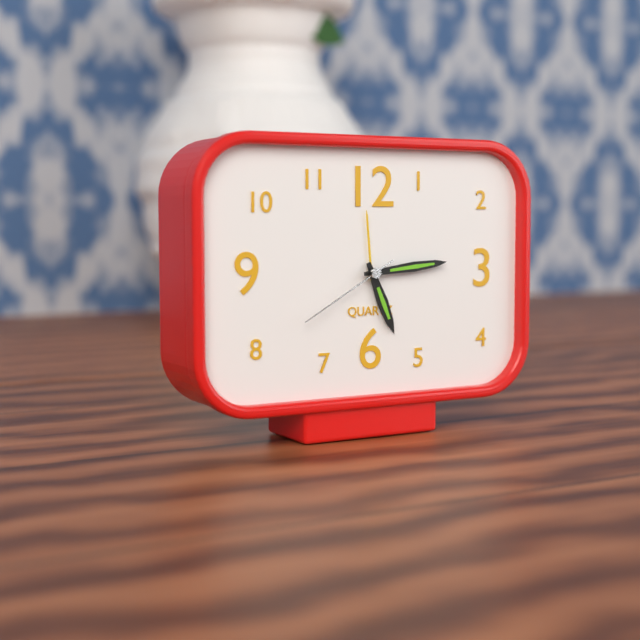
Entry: h=5 m=14 s=40
